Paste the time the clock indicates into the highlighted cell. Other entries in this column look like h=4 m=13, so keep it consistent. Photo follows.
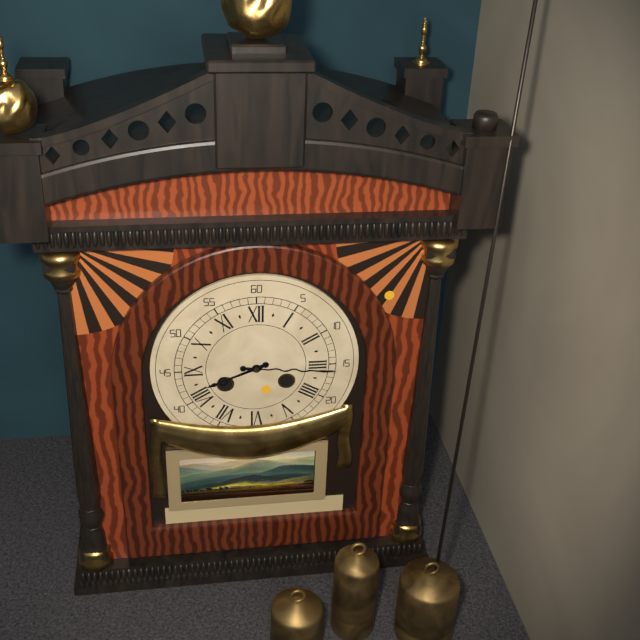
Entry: h=8 m=16
